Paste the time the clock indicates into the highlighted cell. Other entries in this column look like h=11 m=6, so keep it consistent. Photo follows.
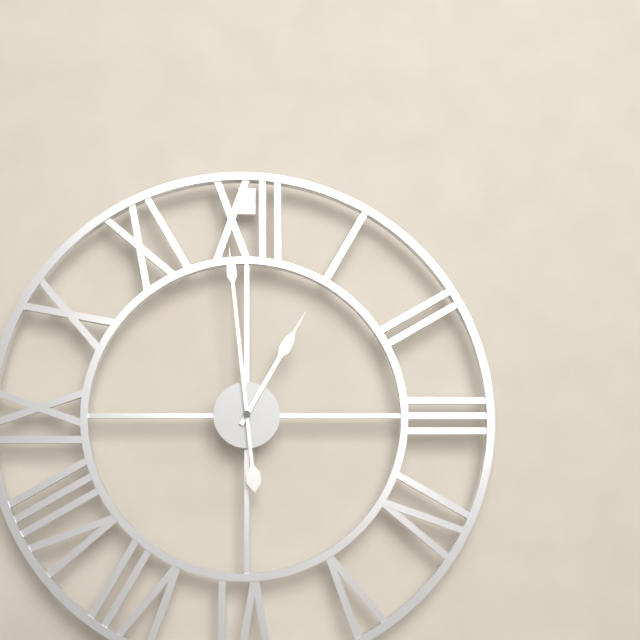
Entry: h=12 m=59
